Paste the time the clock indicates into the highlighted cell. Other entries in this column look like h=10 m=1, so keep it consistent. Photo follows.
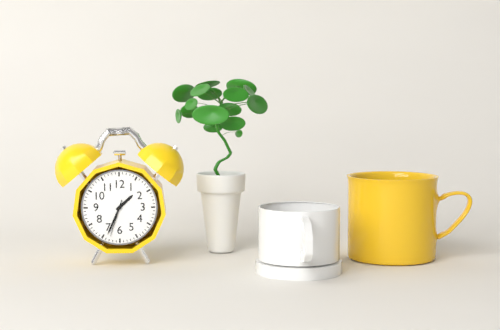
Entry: h=1 m=34
